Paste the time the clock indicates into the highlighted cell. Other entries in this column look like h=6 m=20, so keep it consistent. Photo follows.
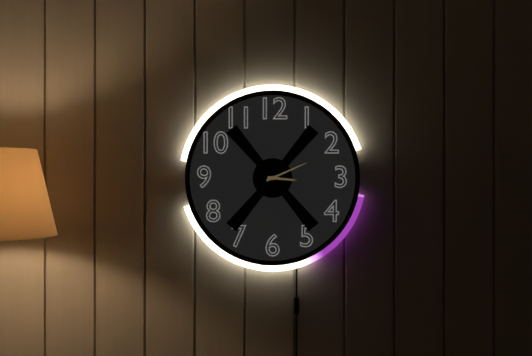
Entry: h=3 m=11
